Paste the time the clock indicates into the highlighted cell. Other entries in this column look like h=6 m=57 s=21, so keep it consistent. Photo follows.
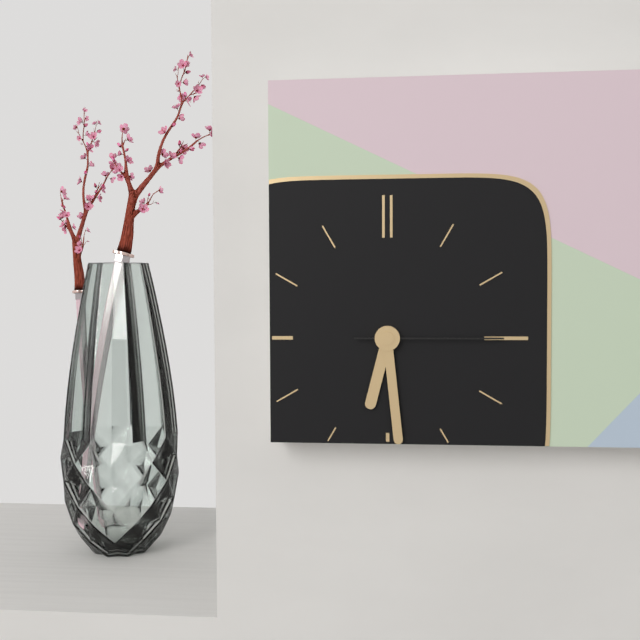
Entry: h=6 m=29 s=15
